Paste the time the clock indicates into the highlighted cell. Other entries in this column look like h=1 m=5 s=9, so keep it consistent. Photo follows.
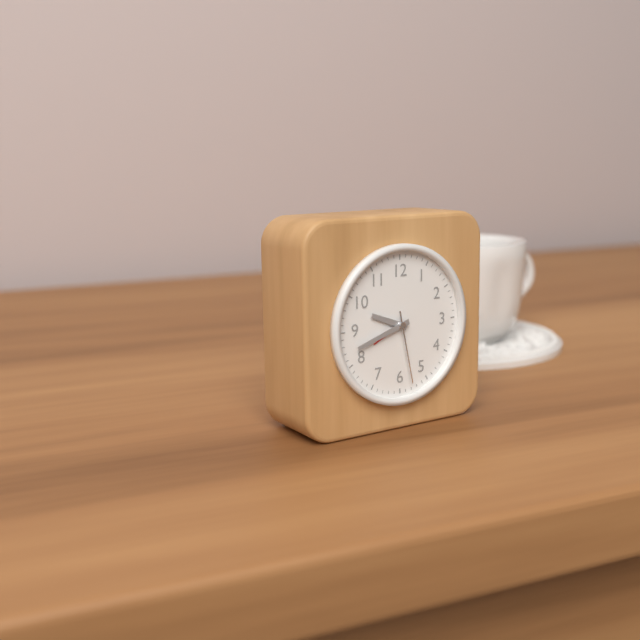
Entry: h=9 m=42 s=28
